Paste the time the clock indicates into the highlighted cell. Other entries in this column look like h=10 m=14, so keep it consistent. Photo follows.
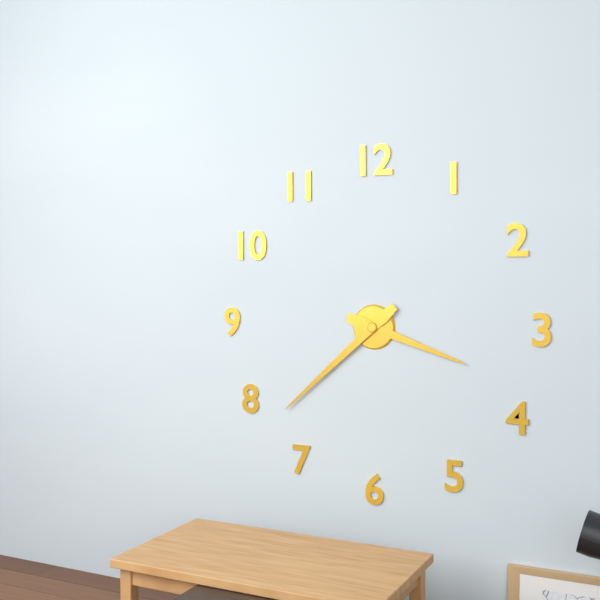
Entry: h=3 m=38
